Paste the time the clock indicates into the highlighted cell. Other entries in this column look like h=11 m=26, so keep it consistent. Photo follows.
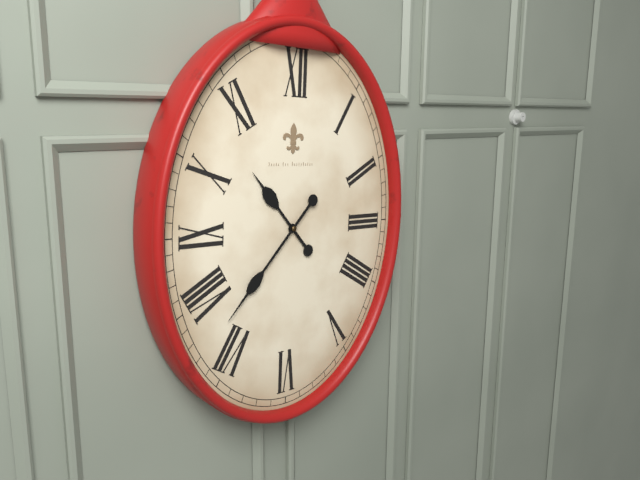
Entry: h=10 m=37
